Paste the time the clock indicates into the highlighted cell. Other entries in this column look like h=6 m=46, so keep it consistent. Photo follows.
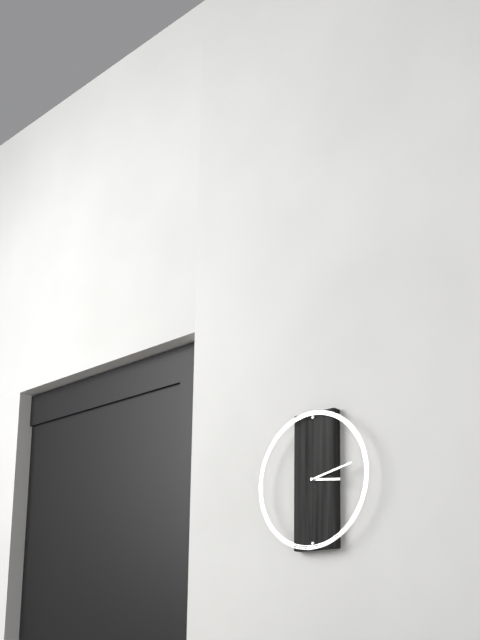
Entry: h=3 m=13
